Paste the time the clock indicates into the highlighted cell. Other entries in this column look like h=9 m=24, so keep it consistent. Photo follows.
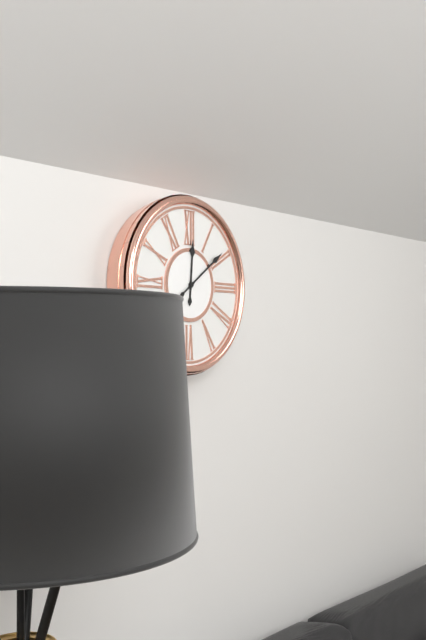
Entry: h=12 m=9
